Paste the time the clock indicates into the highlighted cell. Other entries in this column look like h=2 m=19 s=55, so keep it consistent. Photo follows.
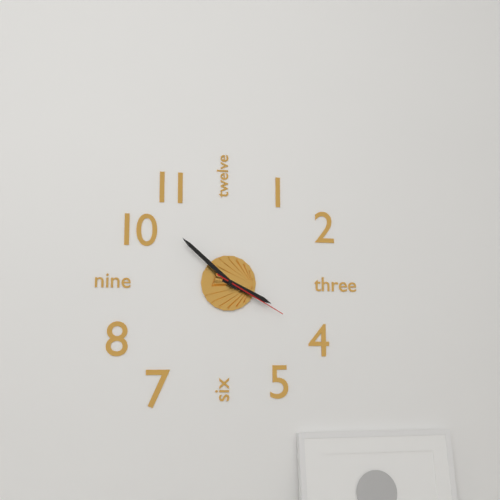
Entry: h=3 m=52 s=20
